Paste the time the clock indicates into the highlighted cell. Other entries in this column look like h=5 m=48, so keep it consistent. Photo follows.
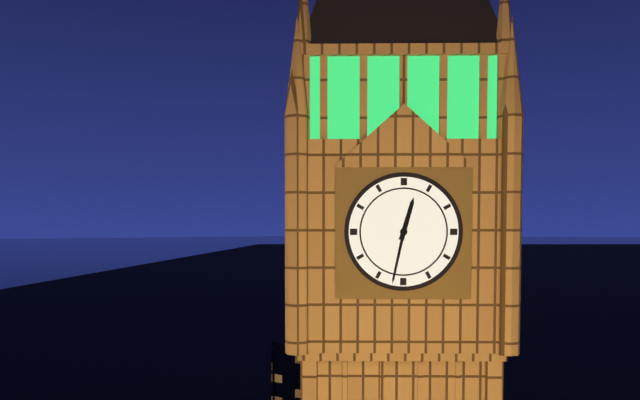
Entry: h=12 m=32
